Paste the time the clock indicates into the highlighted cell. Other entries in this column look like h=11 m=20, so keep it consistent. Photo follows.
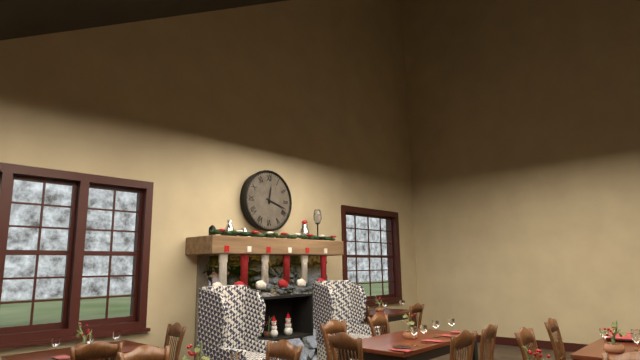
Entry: h=12 m=18
